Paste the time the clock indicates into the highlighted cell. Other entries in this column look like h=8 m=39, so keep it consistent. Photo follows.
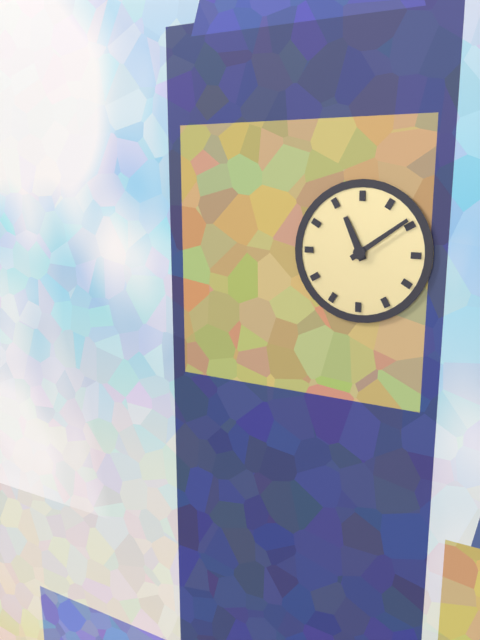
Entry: h=11 m=9
